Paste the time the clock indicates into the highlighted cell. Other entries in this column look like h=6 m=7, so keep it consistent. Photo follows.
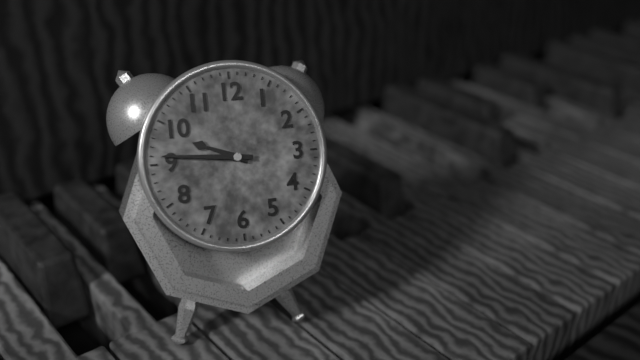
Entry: h=9 m=46
